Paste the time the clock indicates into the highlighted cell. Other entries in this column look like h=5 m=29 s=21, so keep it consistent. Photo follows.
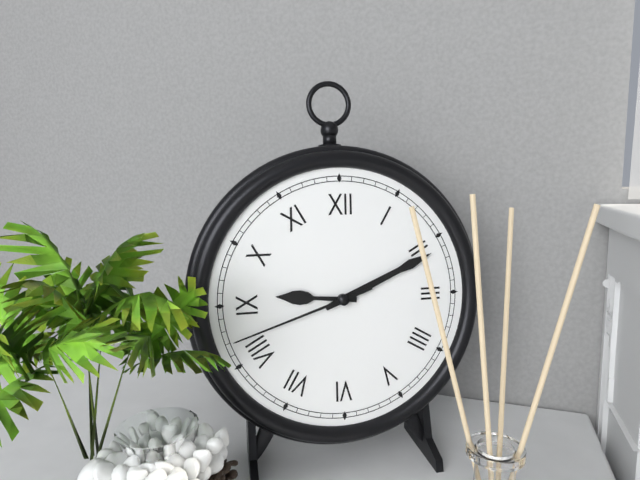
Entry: h=9 m=11 s=42
